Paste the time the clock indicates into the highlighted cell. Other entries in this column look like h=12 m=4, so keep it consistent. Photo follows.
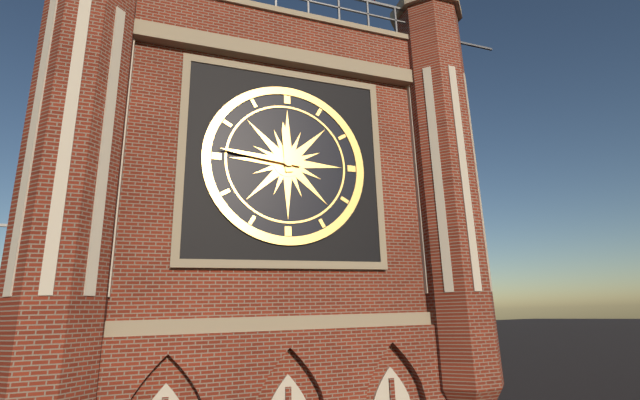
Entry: h=11 m=46
